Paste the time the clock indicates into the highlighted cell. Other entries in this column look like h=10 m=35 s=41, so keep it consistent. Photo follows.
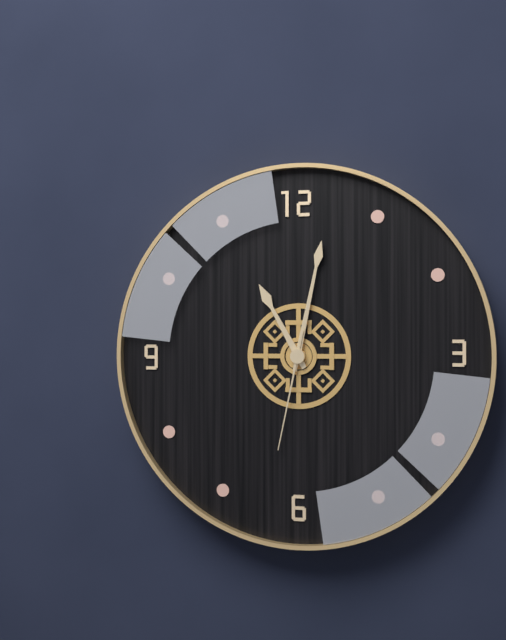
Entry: h=11 m=2 s=32
